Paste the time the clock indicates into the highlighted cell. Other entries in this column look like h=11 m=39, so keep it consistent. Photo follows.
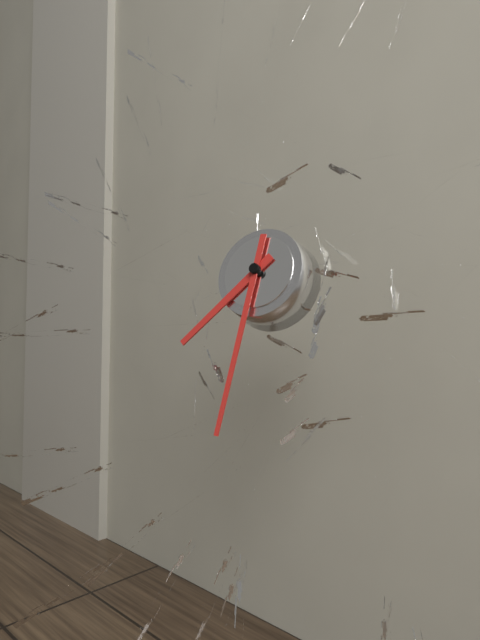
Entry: h=7 m=31
